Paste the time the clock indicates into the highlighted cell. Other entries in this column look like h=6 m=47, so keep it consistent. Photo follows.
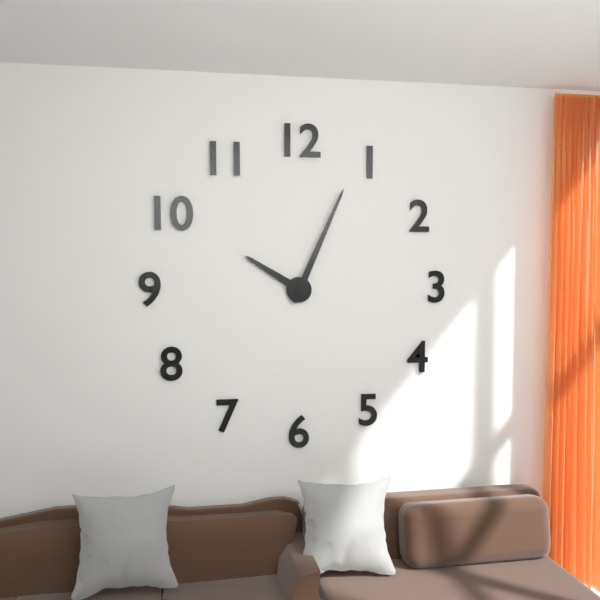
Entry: h=10 m=4
